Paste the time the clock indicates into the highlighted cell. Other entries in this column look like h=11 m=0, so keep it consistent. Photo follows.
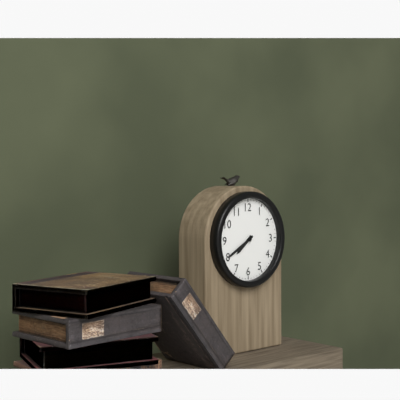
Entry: h=7 m=40
